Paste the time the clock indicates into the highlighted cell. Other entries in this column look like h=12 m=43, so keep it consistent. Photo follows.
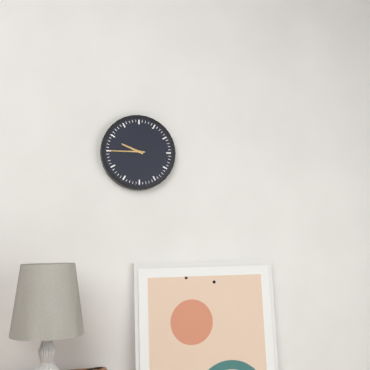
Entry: h=9 m=45
